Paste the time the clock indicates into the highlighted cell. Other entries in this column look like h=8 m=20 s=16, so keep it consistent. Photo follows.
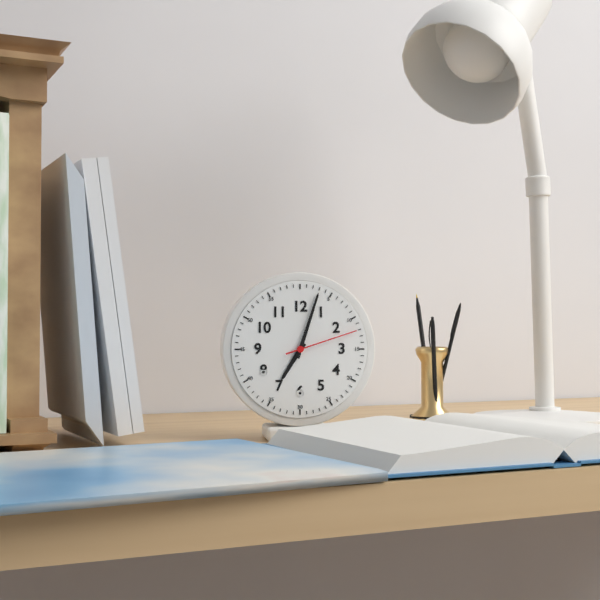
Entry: h=7 m=3 s=12
